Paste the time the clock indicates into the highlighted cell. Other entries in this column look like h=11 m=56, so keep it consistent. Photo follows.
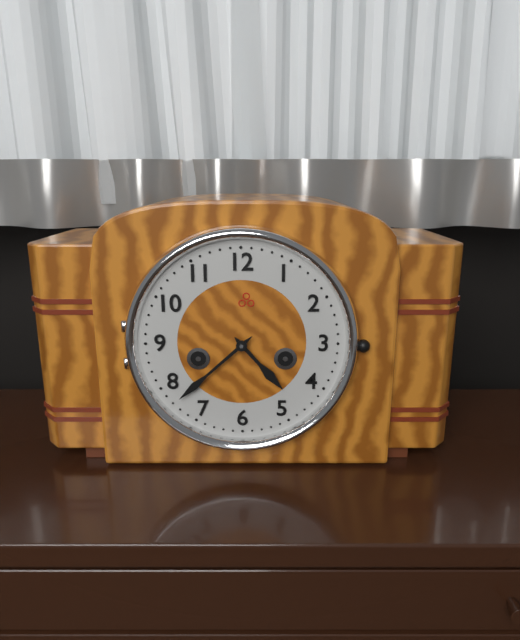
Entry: h=4 m=38
